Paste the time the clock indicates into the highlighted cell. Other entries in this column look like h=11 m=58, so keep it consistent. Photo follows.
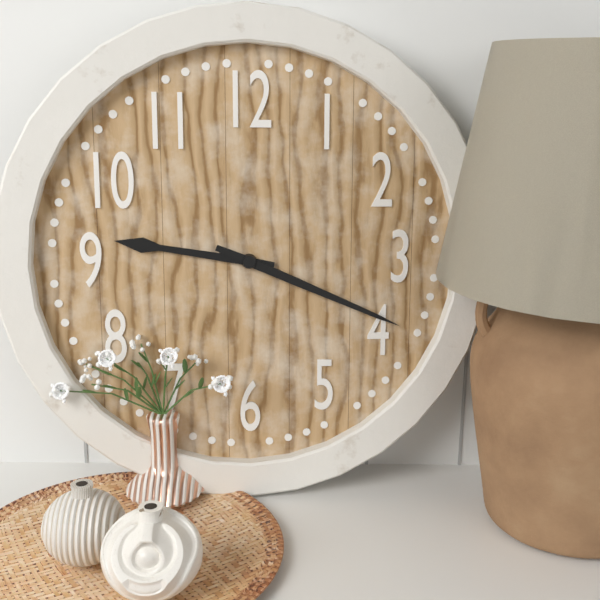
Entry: h=9 m=19
